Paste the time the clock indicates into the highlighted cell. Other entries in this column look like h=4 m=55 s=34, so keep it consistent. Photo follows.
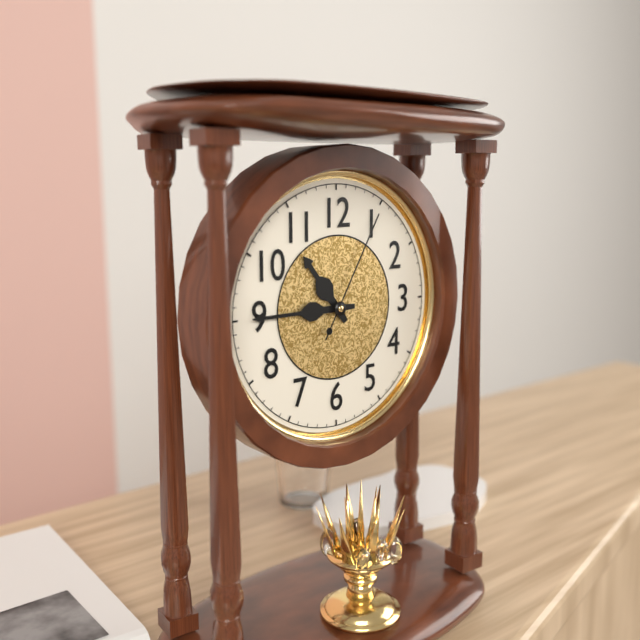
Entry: h=10 m=45 s=5
